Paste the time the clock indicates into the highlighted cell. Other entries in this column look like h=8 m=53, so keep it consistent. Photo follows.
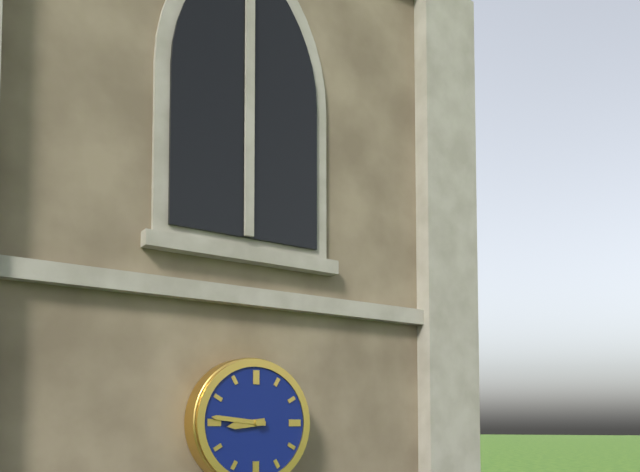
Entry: h=8 m=46
